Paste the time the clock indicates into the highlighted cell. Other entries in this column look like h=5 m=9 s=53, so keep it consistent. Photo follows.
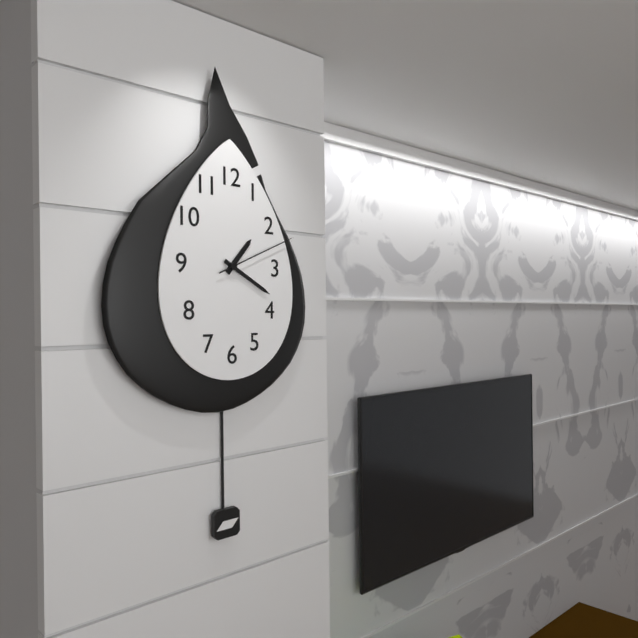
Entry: h=1 m=20 s=11
